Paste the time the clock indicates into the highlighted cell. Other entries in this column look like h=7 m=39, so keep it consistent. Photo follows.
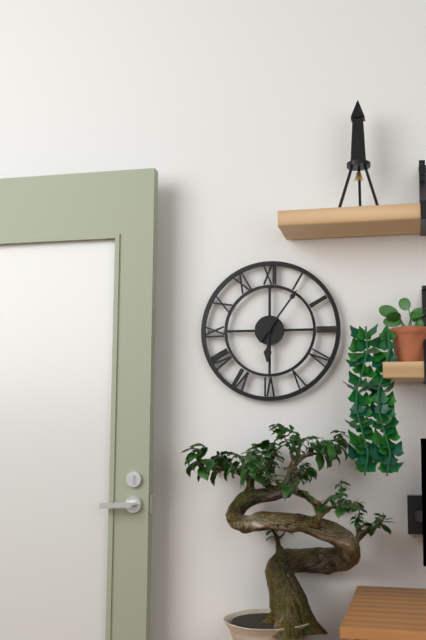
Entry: h=6 m=6
